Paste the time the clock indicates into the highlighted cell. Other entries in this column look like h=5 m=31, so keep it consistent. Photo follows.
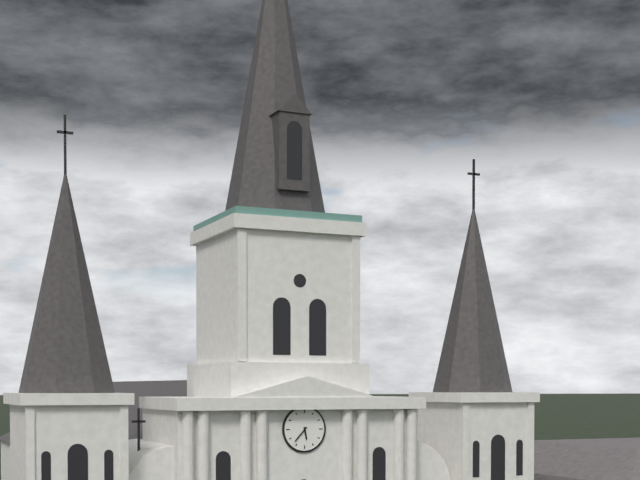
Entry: h=5 m=37
